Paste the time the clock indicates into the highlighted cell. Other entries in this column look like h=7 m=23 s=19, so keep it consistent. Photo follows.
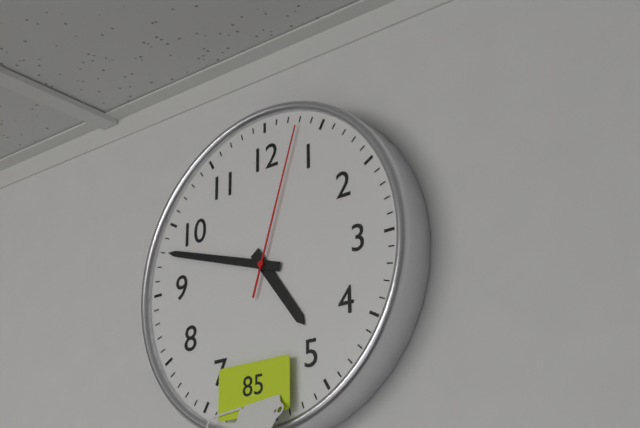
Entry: h=4 m=48 s=3
